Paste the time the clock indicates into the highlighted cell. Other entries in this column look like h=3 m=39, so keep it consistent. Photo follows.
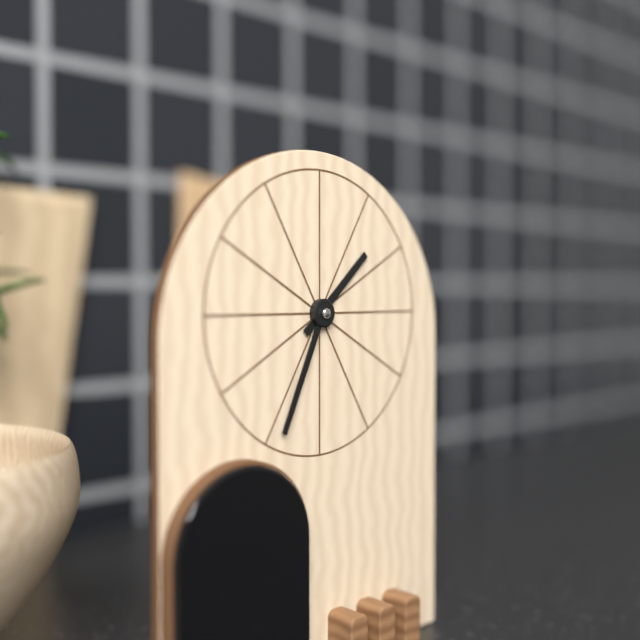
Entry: h=1 m=34
